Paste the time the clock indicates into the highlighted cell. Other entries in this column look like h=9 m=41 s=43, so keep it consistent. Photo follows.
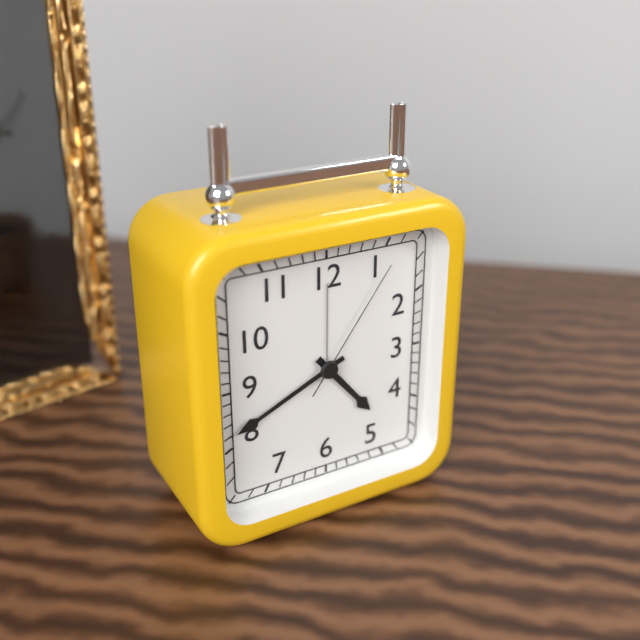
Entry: h=4 m=41 s=6
